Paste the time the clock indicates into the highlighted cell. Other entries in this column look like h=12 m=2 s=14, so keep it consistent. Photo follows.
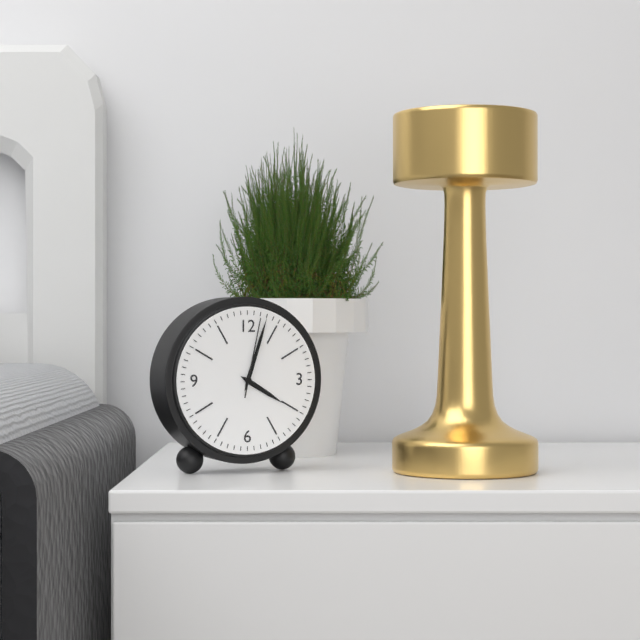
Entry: h=4 m=3 s=2
